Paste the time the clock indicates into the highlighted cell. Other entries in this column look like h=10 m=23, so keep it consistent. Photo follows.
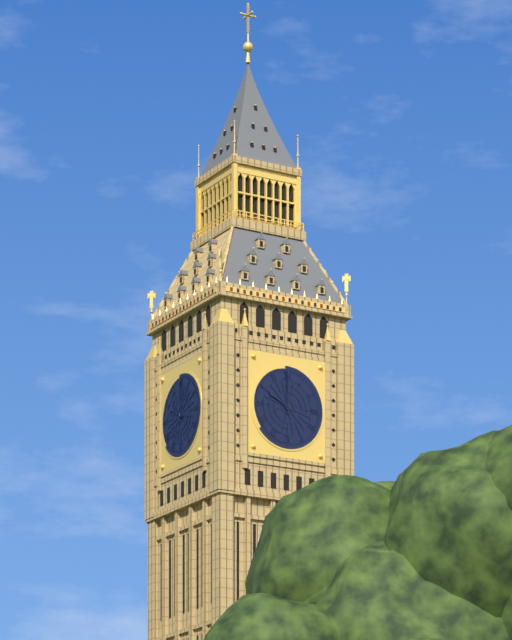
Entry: h=10 m=0
